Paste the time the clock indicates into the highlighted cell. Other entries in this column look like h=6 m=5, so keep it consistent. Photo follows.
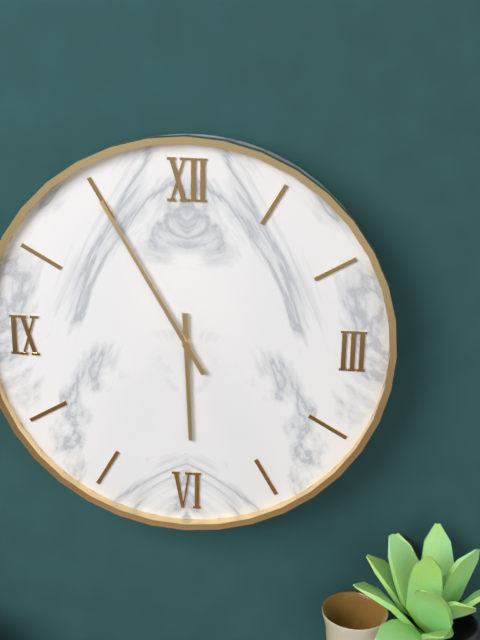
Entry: h=5 m=55
